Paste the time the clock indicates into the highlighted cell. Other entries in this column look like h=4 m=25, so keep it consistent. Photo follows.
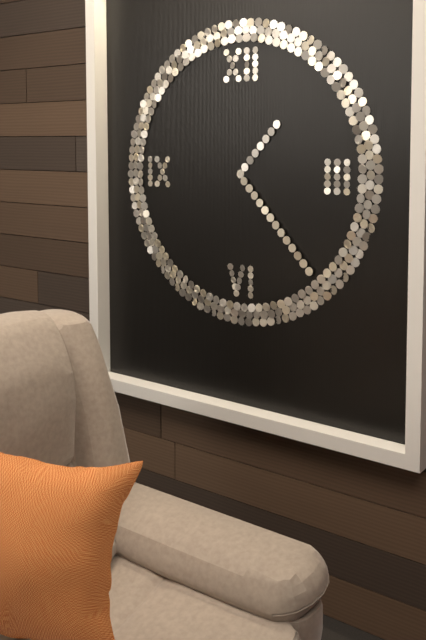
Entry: h=1 m=23
